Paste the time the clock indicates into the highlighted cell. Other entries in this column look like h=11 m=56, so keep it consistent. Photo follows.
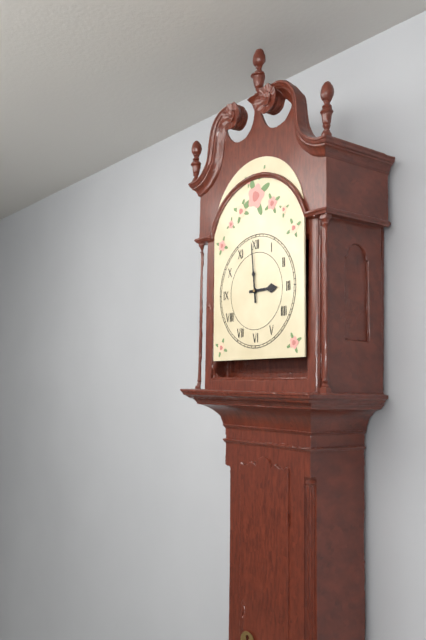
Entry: h=2 m=59
